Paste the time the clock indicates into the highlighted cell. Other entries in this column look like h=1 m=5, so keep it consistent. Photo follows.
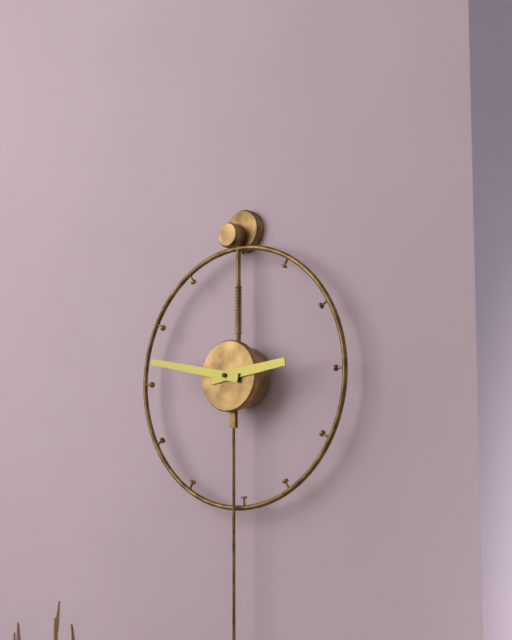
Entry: h=2 m=47
